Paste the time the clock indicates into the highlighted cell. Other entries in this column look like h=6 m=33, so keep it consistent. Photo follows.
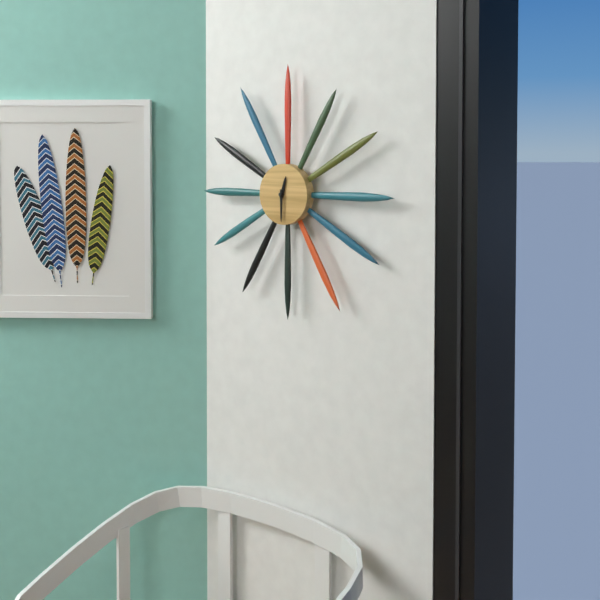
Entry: h=12 m=30
